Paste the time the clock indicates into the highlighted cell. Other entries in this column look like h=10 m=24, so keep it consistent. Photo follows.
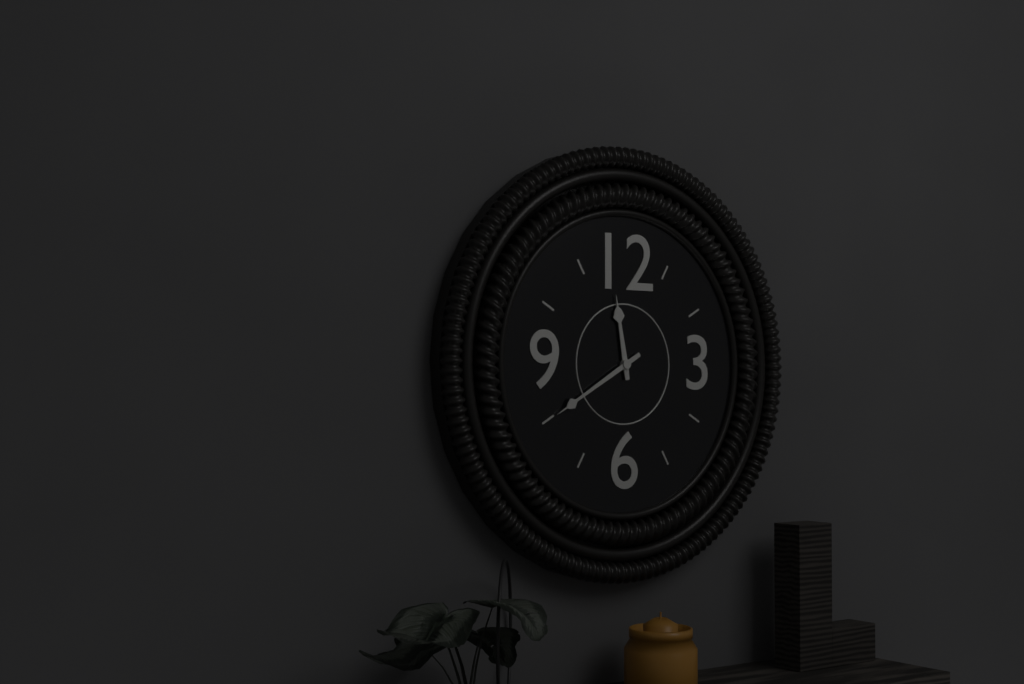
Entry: h=11 m=40
